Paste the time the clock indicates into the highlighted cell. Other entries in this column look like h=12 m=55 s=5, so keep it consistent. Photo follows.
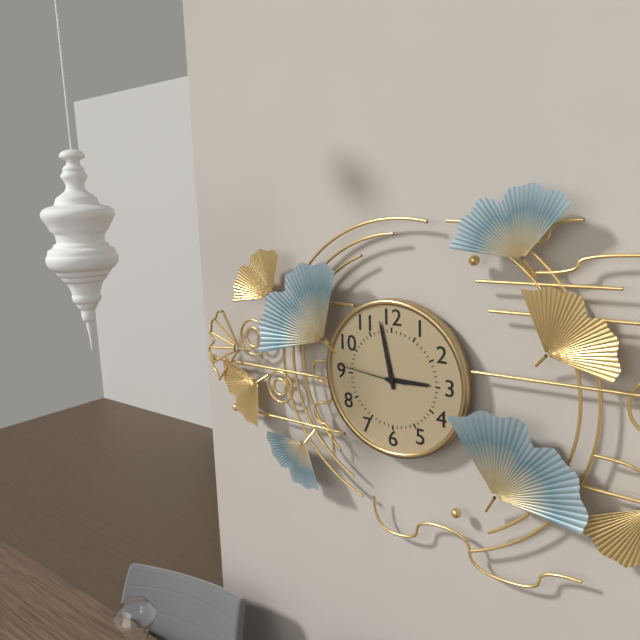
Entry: h=2 m=58 s=46
